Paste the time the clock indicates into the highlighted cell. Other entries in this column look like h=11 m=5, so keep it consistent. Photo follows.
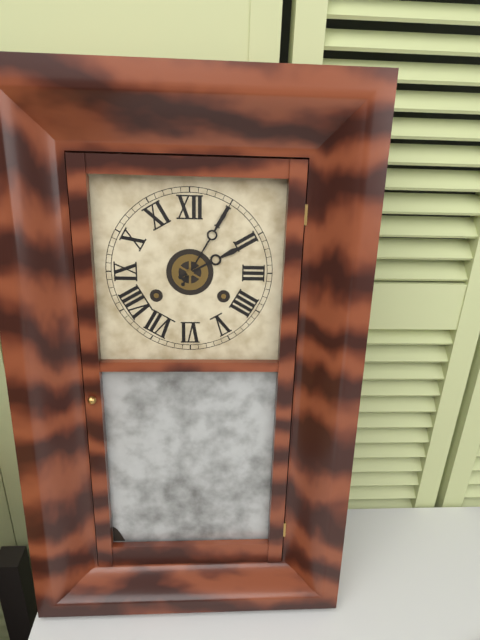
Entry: h=2 m=5
